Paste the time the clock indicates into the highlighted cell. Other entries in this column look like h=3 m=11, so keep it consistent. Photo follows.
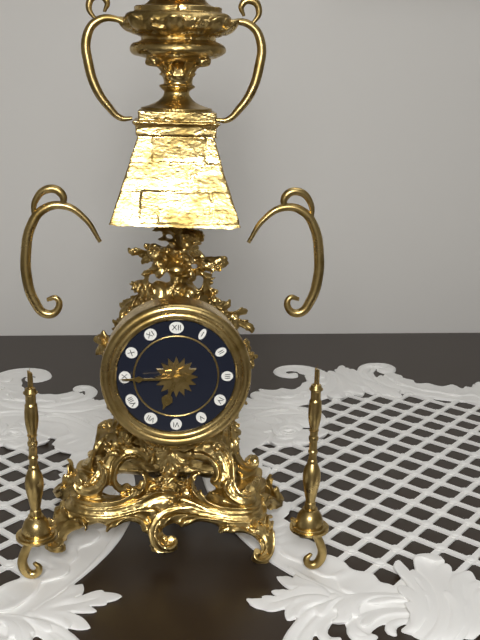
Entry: h=6 m=45
